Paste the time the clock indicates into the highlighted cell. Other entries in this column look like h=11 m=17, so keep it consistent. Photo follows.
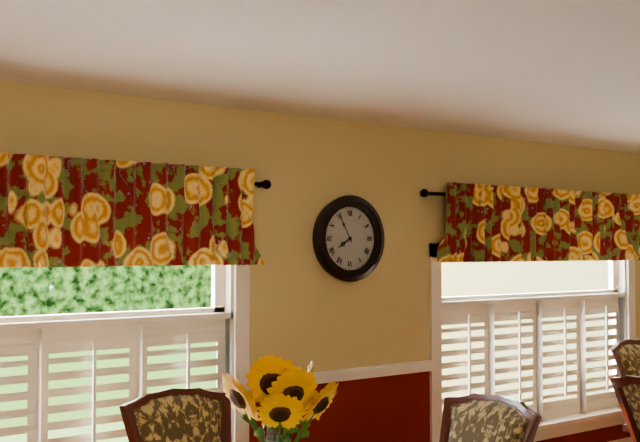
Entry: h=7 m=55
